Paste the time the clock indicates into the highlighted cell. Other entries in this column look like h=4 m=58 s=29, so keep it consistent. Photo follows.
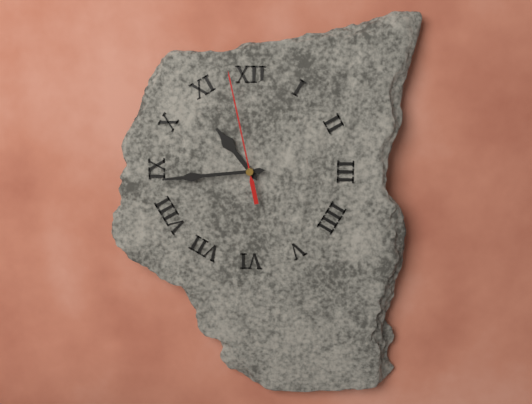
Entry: h=10 m=44 s=58
